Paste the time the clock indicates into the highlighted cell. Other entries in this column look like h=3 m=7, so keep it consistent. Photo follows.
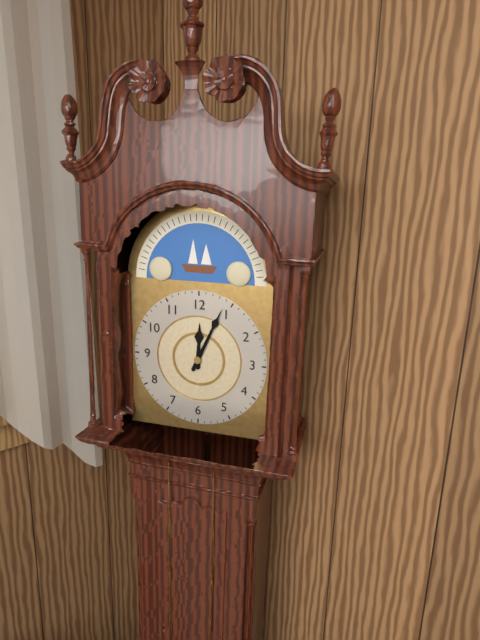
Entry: h=12 m=4
